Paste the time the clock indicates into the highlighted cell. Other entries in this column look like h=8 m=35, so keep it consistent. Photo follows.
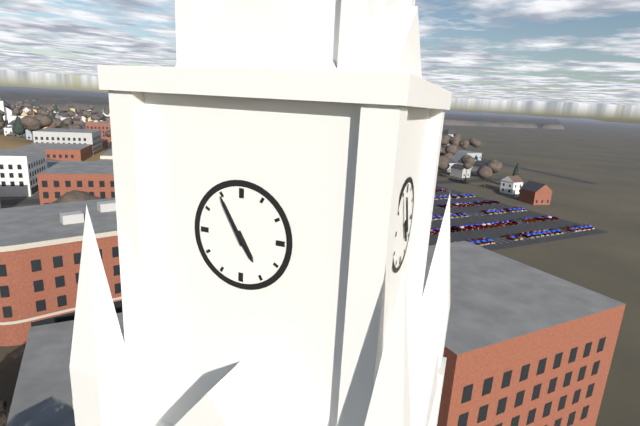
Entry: h=4 m=55
